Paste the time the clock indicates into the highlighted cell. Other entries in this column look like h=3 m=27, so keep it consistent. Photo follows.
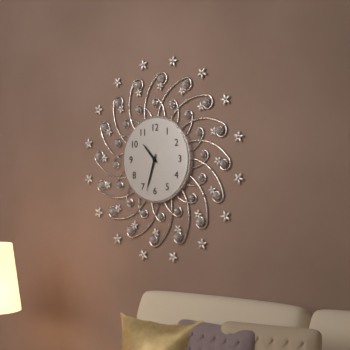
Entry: h=10 m=33
